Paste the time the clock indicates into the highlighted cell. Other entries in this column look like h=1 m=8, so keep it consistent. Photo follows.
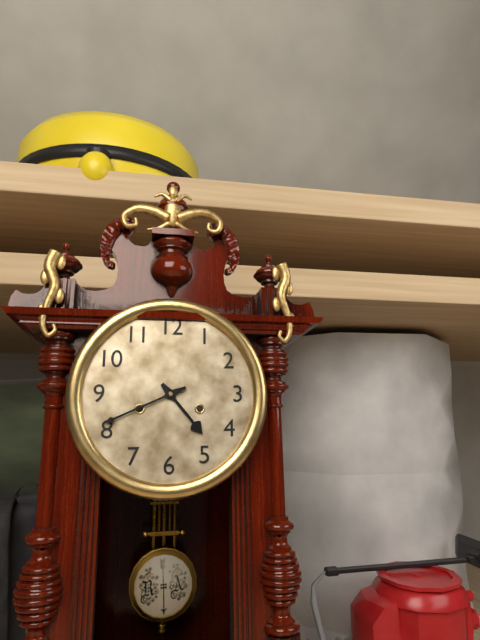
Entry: h=4 m=41
